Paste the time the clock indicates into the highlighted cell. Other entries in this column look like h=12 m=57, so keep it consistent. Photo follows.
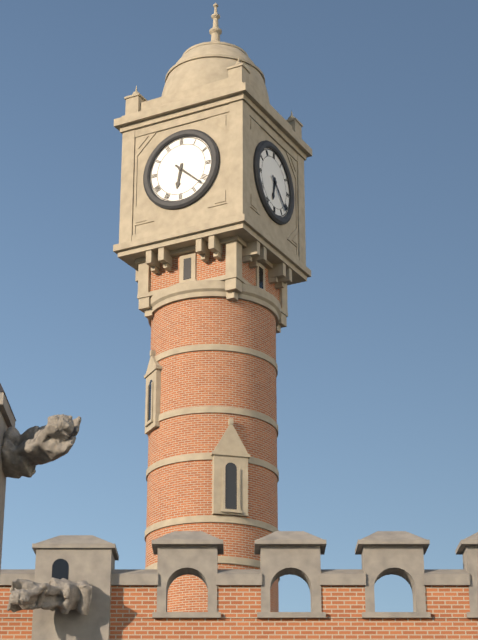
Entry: h=6 m=22
